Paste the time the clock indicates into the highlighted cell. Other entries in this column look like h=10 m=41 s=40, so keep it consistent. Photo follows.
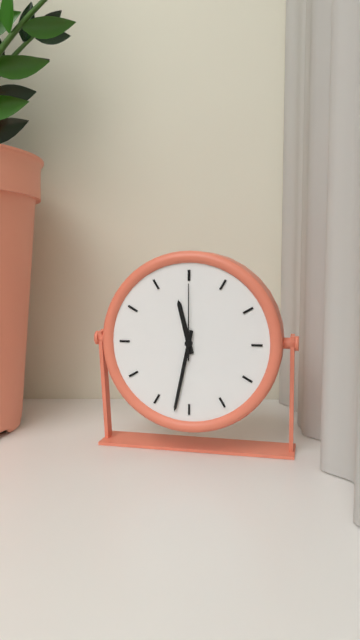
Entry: h=11 m=32 s=0
